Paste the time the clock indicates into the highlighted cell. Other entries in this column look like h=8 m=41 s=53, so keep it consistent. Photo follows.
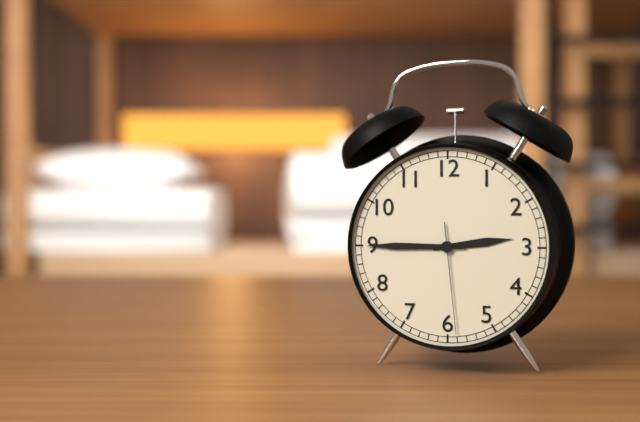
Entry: h=2 m=45 s=29
